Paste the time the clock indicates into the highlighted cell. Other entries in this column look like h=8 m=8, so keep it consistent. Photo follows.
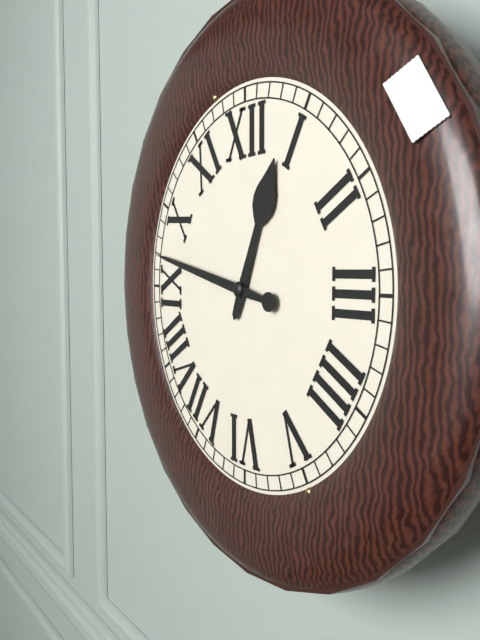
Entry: h=12 m=47
